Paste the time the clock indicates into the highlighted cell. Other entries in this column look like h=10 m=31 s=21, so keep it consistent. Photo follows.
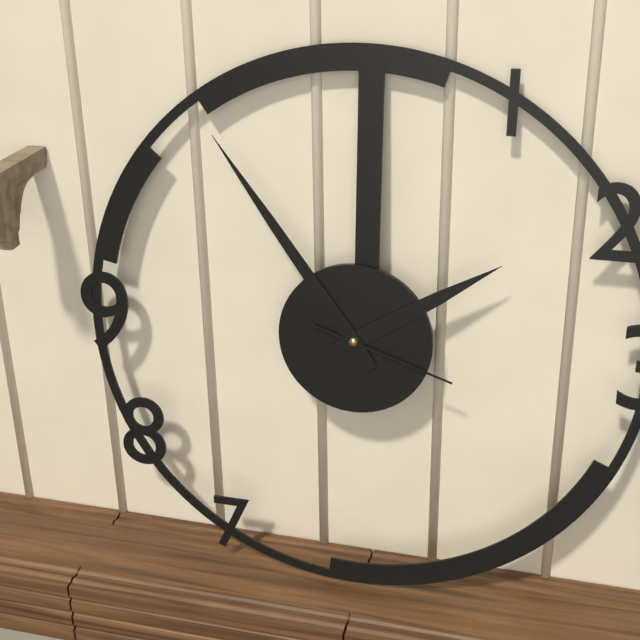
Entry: h=1 m=54 s=18
